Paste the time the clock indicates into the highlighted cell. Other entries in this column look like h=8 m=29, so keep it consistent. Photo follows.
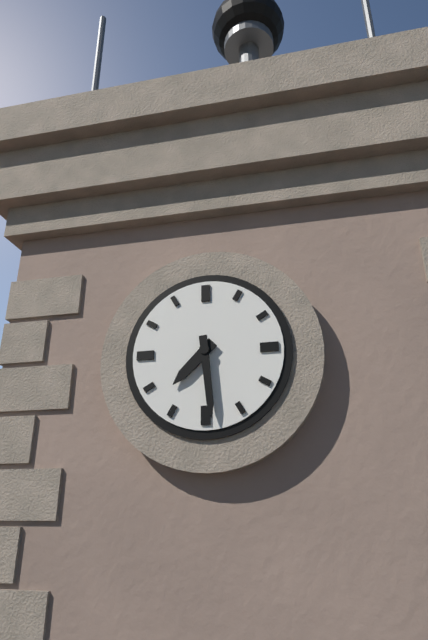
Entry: h=7 m=29
